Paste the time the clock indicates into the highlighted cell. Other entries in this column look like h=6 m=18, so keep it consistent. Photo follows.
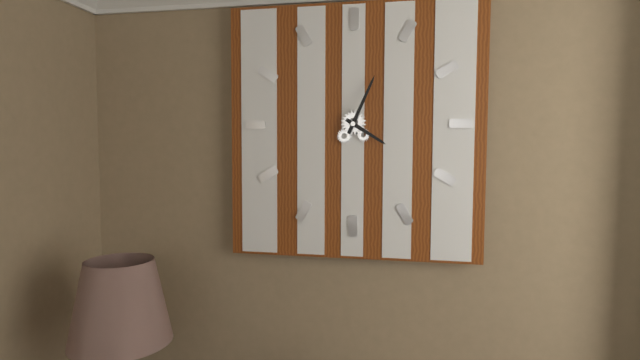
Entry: h=4 m=4
